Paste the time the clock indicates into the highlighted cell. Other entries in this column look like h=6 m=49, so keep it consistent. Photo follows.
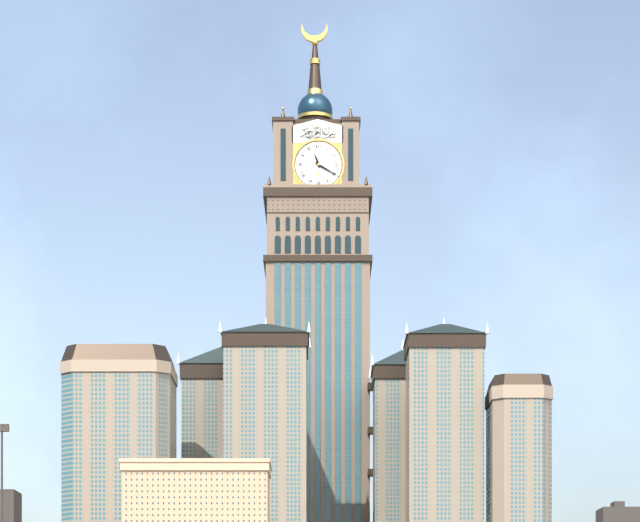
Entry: h=11 m=20
